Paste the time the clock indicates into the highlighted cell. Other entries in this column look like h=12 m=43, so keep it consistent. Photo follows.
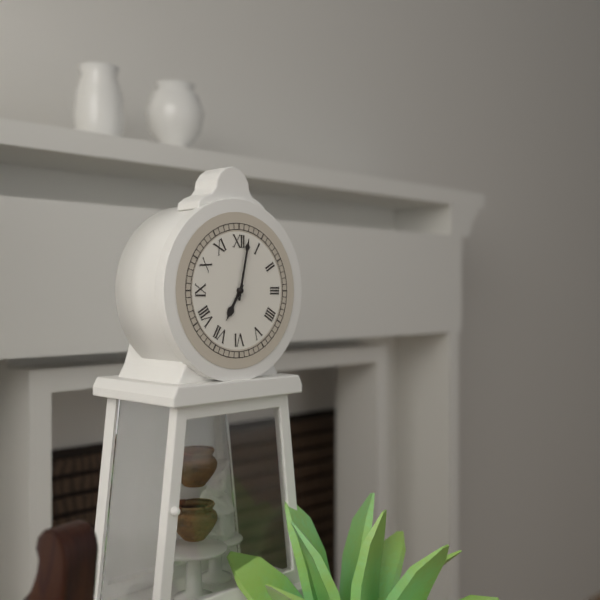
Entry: h=7 m=2
